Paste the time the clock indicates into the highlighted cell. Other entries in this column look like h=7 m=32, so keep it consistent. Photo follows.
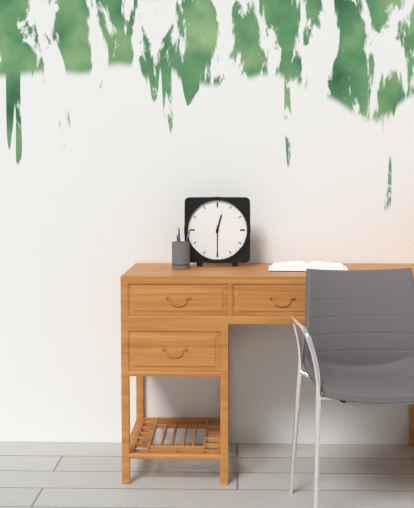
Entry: h=12 m=30
